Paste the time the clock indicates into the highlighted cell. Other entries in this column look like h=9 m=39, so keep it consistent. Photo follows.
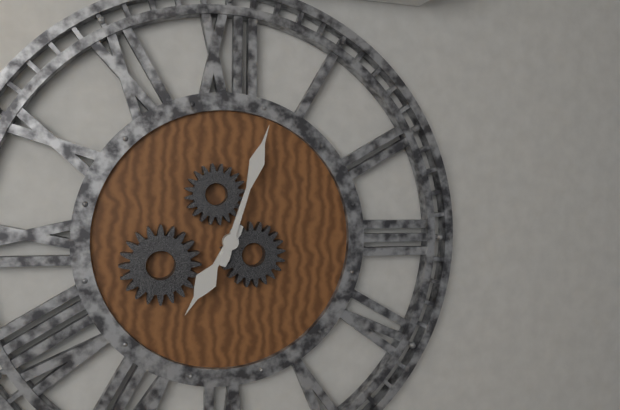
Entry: h=7 m=3
